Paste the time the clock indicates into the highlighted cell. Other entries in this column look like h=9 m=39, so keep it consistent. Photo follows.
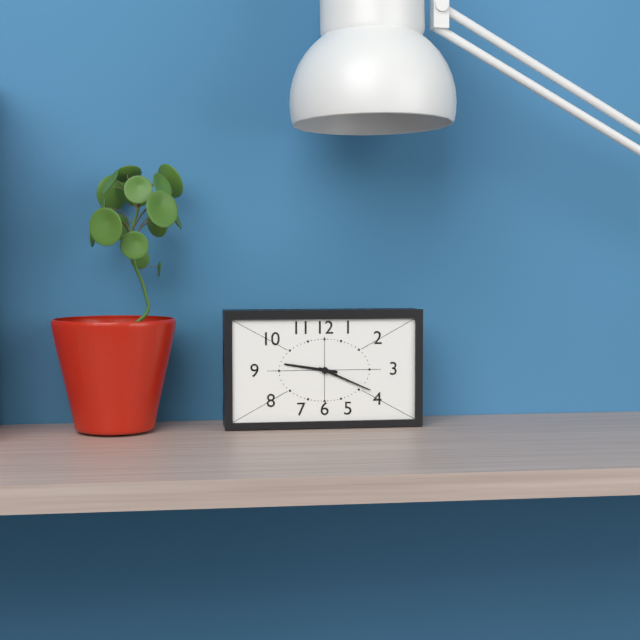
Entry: h=9 m=19
